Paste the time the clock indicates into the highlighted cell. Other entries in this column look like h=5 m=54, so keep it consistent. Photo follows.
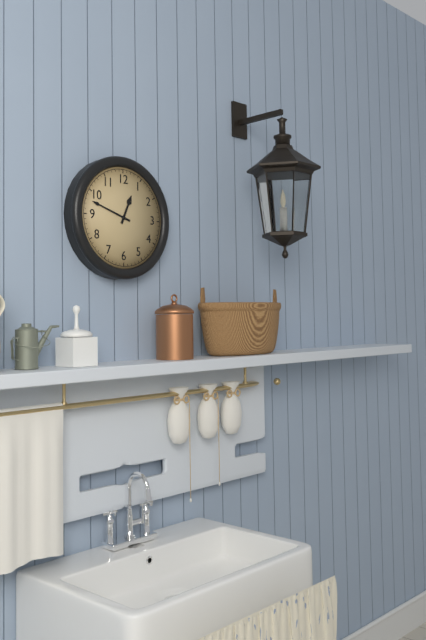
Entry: h=12 m=48
